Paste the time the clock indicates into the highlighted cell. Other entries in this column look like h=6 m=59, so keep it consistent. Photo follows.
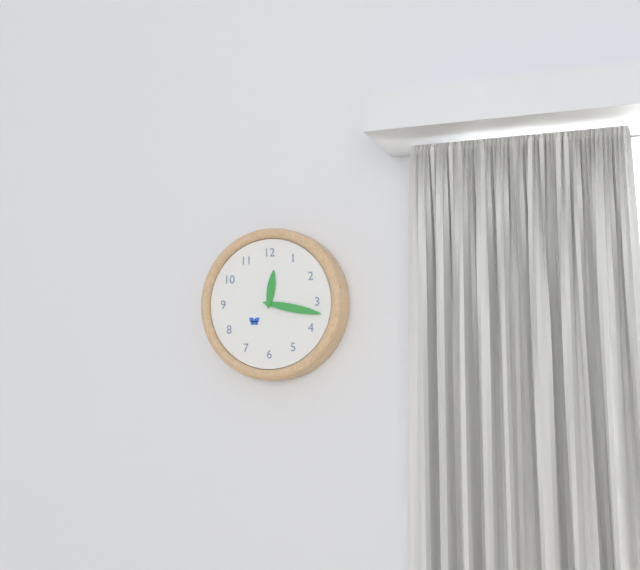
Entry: h=12 m=17
